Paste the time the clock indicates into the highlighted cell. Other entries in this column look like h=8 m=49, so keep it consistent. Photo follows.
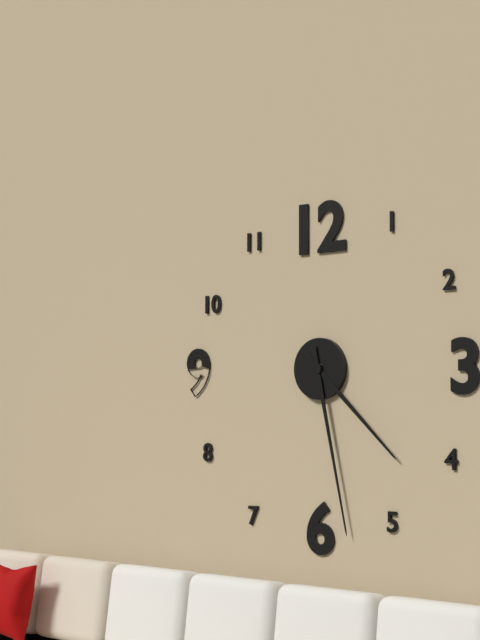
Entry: h=4 m=28
